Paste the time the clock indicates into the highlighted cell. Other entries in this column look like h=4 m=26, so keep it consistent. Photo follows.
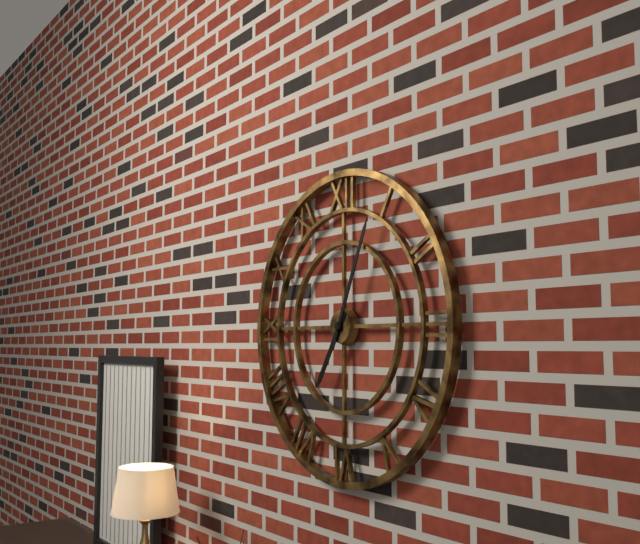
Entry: h=7 m=4
